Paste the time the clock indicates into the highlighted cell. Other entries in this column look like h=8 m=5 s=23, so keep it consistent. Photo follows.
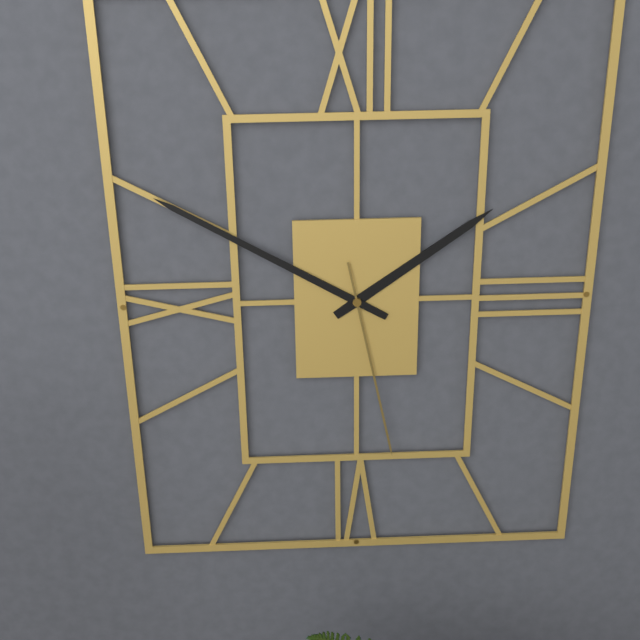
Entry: h=1 m=50 s=28
